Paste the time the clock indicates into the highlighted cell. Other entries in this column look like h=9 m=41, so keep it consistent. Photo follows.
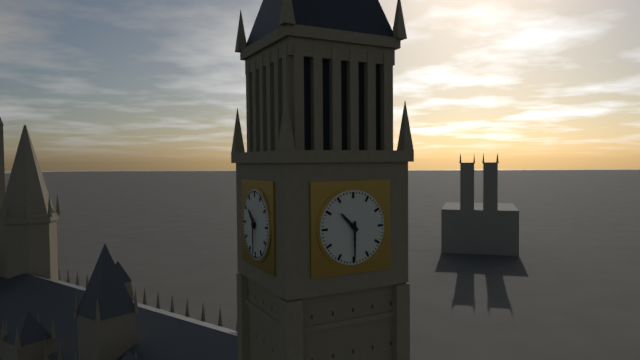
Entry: h=10 m=30
